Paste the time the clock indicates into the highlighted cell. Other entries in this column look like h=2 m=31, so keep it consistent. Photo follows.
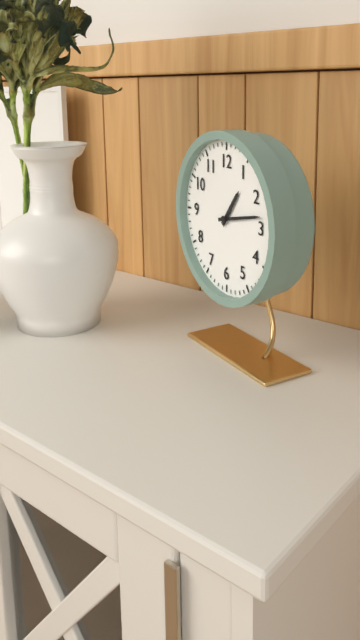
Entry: h=1 m=13
